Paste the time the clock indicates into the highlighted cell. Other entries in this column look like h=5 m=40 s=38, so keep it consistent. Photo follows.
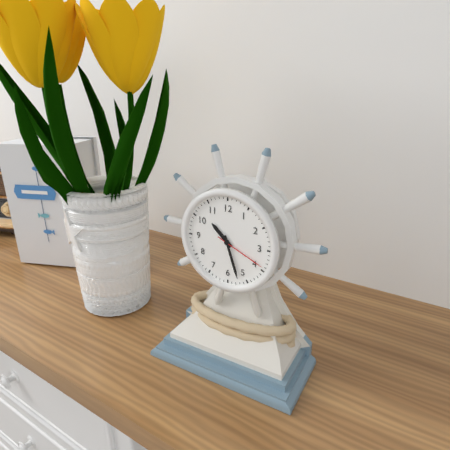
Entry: h=10 m=27 s=19
